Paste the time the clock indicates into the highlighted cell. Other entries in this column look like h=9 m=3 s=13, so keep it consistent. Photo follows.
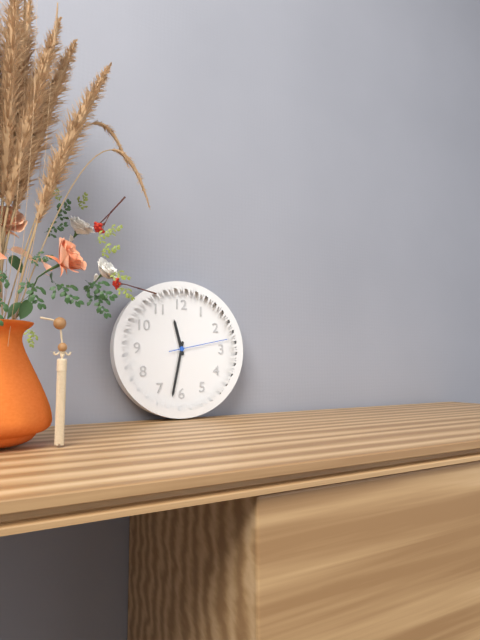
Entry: h=11 m=32 s=13
